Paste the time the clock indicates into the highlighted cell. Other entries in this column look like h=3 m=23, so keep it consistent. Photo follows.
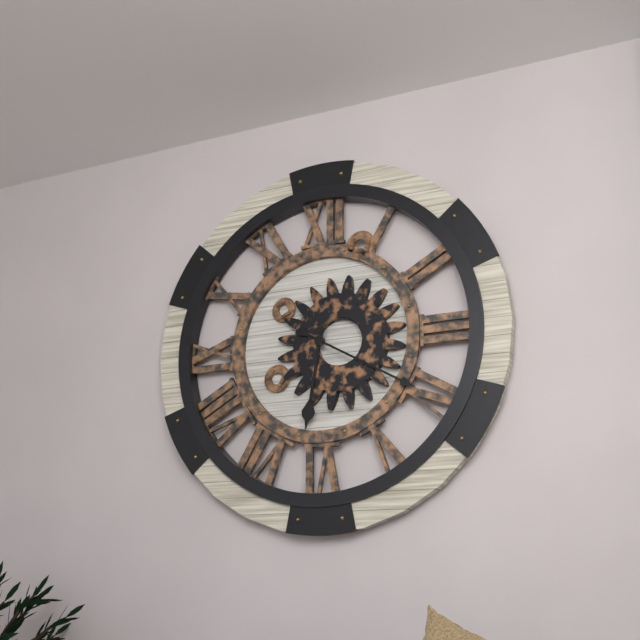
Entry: h=6 m=20
